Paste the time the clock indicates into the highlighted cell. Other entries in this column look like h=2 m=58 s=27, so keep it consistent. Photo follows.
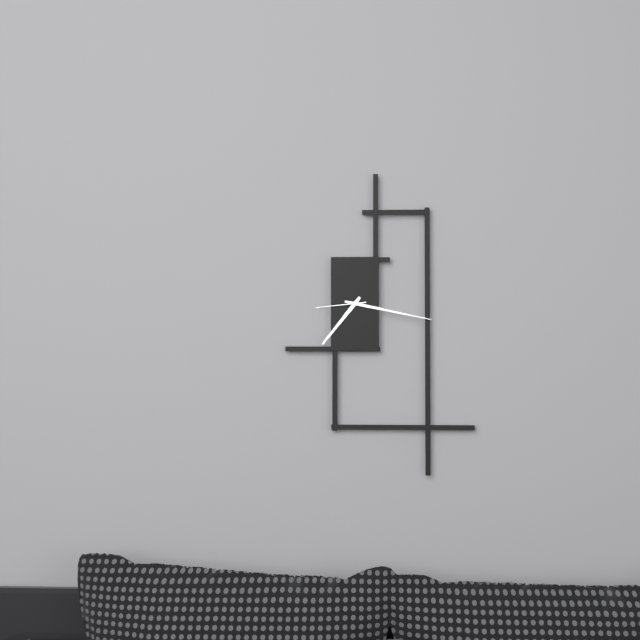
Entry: h=7 m=17 s=44
